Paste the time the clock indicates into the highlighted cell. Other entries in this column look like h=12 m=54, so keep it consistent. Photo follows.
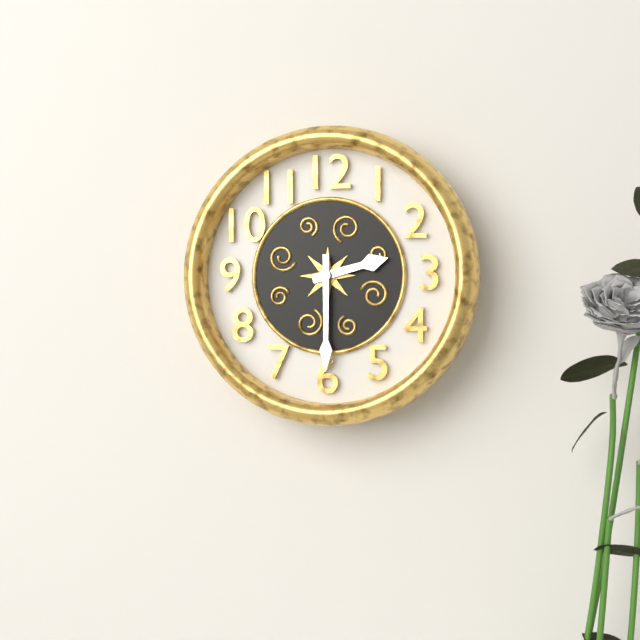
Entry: h=2 m=30
